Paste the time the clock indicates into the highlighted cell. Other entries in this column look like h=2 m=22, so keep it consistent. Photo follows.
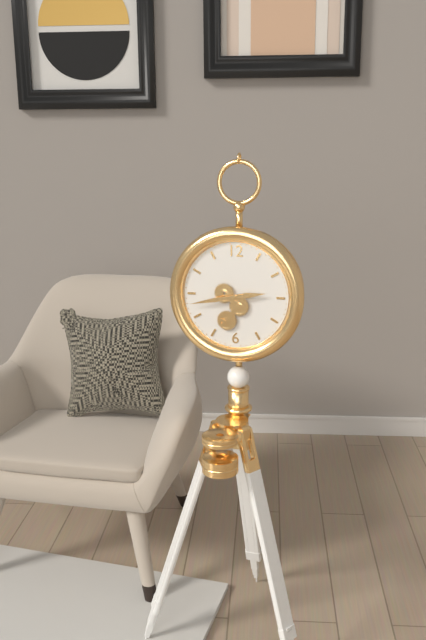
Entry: h=2 m=43
